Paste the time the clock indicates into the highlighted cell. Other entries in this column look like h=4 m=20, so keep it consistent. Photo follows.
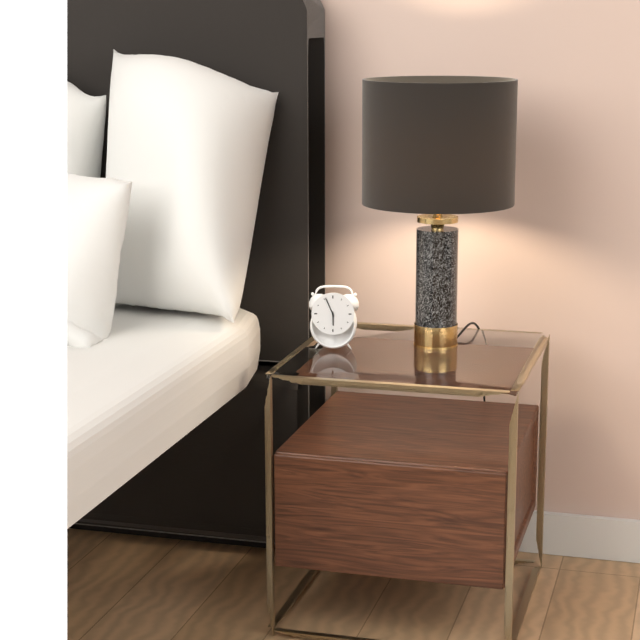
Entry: h=5 m=56
